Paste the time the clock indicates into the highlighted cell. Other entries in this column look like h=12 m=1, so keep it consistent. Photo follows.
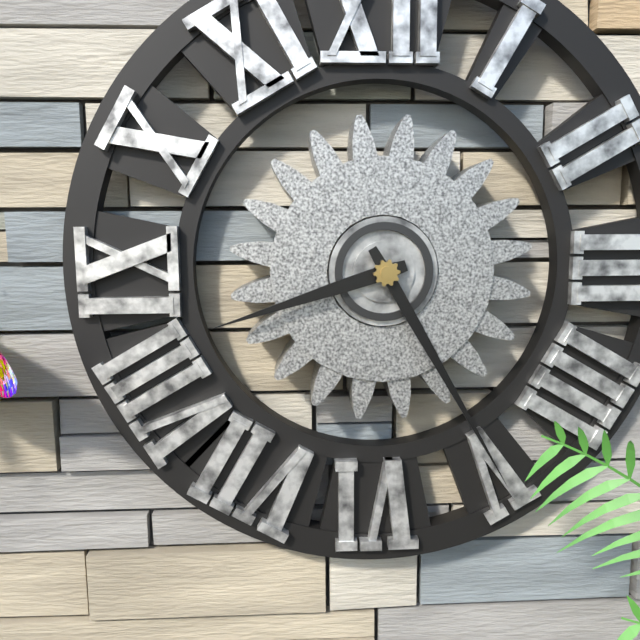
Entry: h=8 m=25
